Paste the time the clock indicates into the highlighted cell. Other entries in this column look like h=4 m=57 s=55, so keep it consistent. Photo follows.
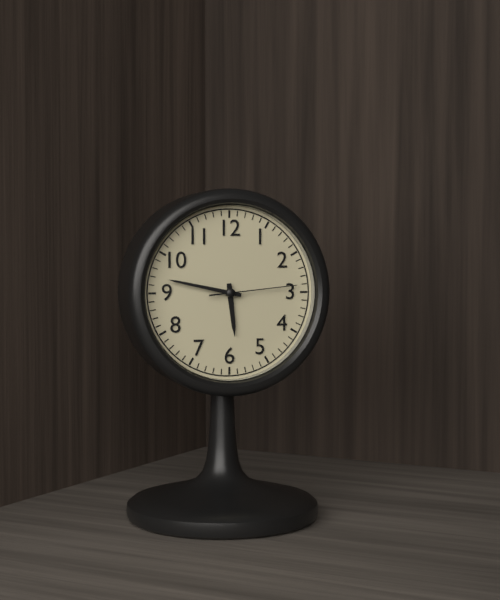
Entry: h=5 m=47 s=14
